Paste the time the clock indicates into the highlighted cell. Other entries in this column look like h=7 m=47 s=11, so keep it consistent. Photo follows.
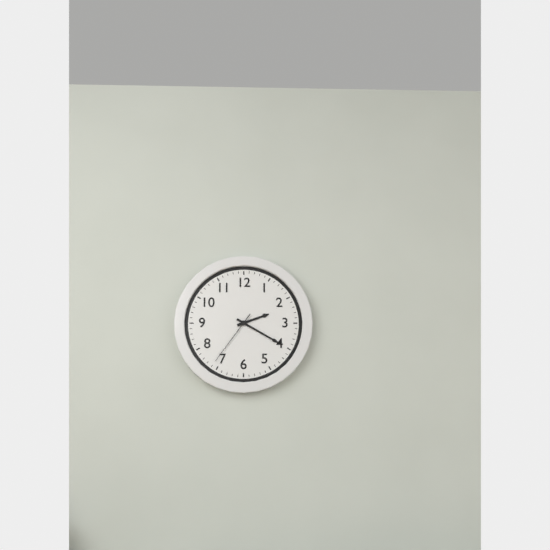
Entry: h=2 m=20 s=36
